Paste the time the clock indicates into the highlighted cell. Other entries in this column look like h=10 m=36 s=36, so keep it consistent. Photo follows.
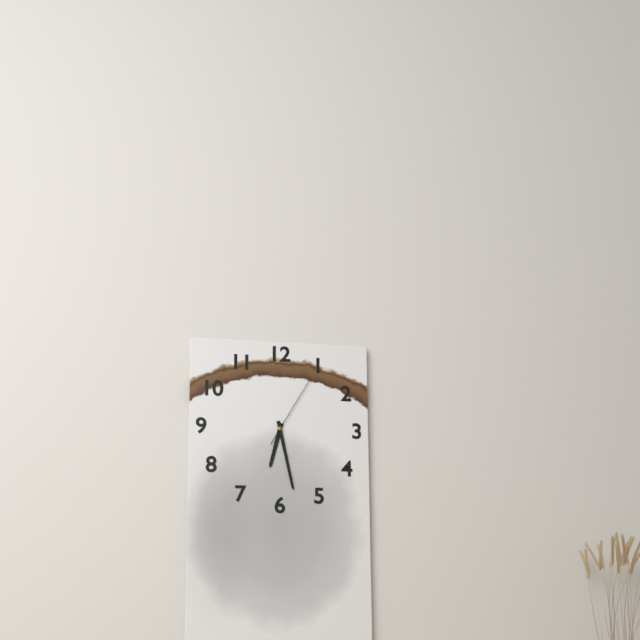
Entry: h=6 m=28 s=5
